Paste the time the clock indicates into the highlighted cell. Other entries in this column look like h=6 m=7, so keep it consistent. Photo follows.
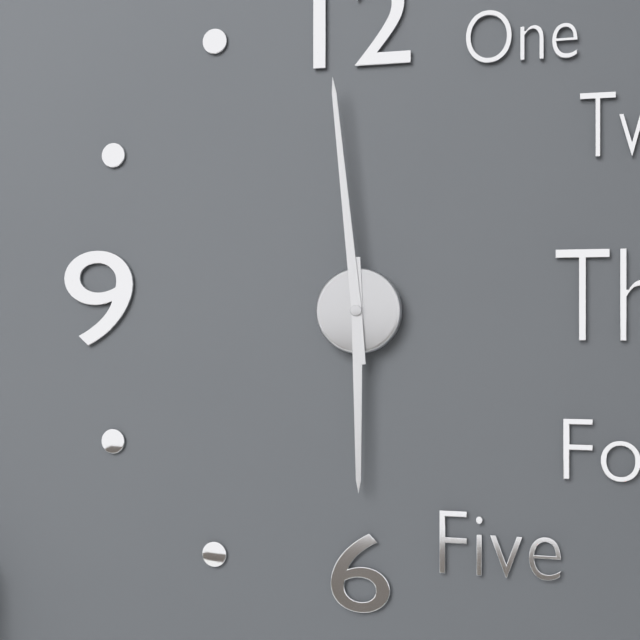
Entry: h=5 m=59
